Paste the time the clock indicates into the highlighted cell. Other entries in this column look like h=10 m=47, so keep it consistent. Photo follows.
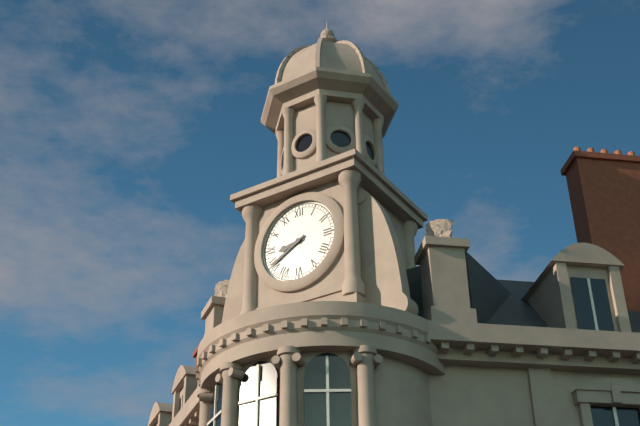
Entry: h=8 m=40
